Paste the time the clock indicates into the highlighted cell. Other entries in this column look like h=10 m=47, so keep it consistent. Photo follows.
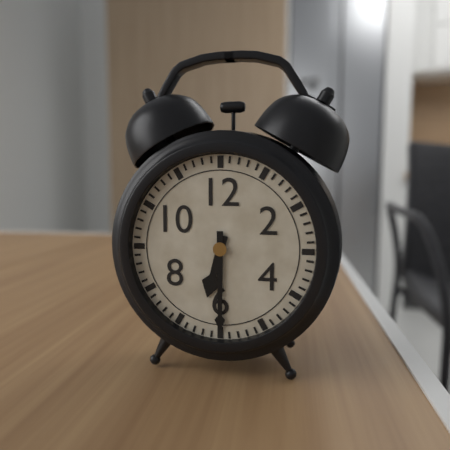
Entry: h=6 m=30
